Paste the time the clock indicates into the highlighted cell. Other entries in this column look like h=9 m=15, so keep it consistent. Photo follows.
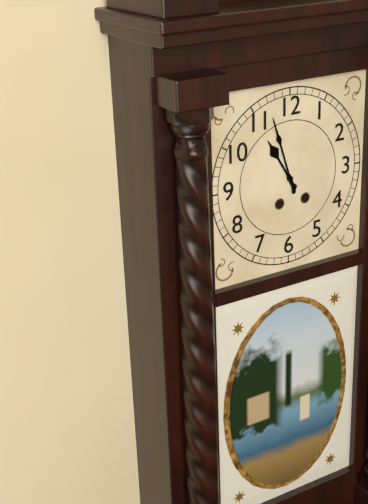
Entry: h=10 m=57
